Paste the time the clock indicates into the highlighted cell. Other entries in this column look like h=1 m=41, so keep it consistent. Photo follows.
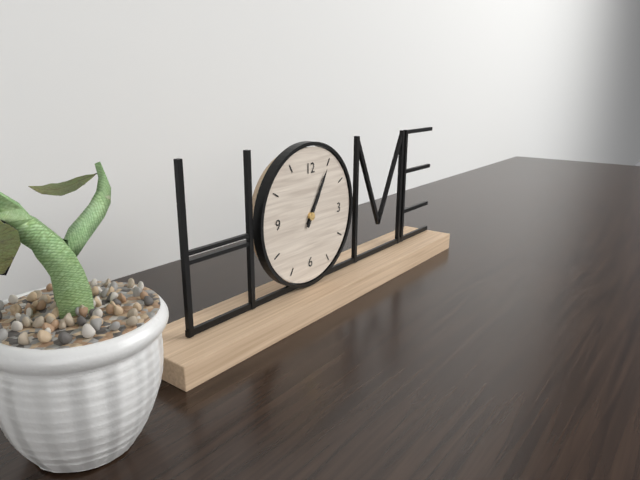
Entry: h=1 m=5
